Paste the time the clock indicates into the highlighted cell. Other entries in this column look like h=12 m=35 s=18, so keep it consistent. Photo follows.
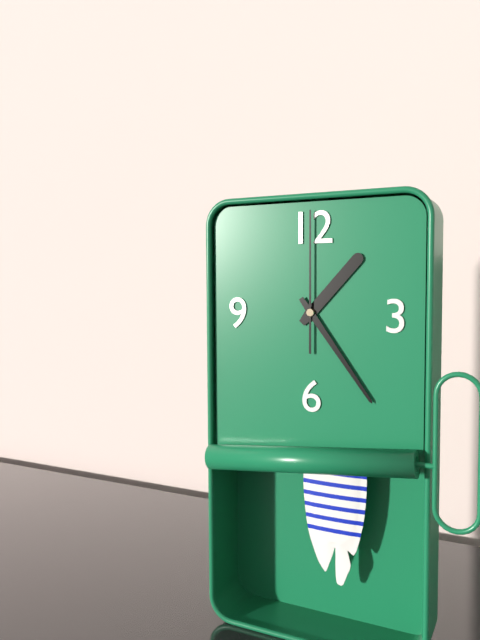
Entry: h=1 m=24 s=0
